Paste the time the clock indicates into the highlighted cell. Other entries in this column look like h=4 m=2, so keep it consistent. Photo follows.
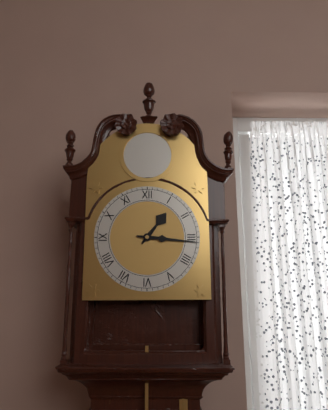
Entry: h=1 m=16
